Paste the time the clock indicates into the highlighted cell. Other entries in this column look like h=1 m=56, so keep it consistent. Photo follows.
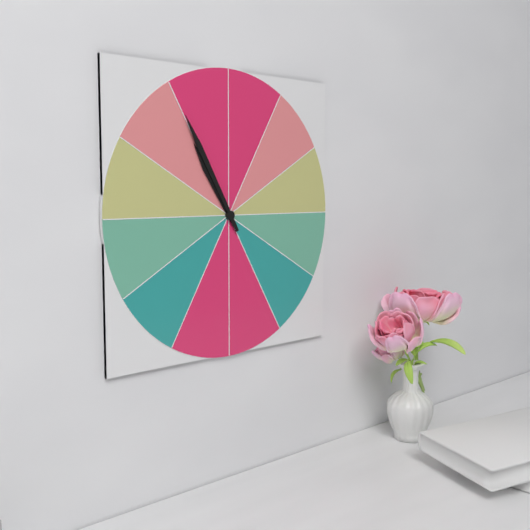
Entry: h=10 m=55
